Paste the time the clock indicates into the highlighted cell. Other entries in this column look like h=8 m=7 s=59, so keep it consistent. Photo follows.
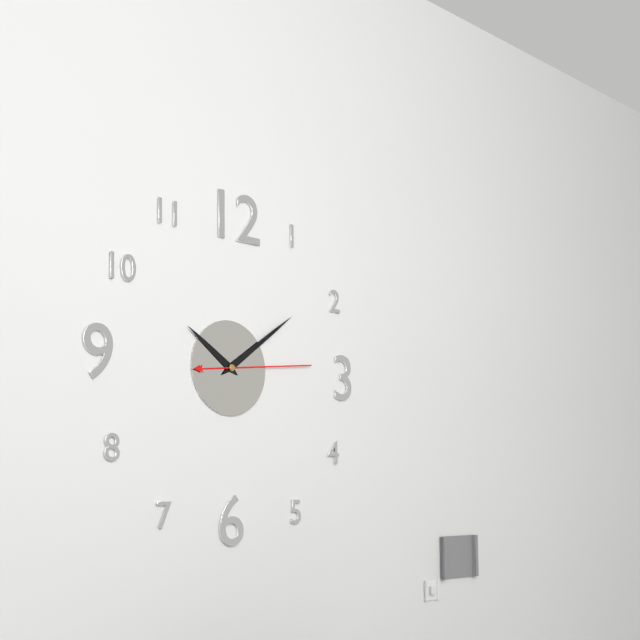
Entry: h=10 m=9 s=14
